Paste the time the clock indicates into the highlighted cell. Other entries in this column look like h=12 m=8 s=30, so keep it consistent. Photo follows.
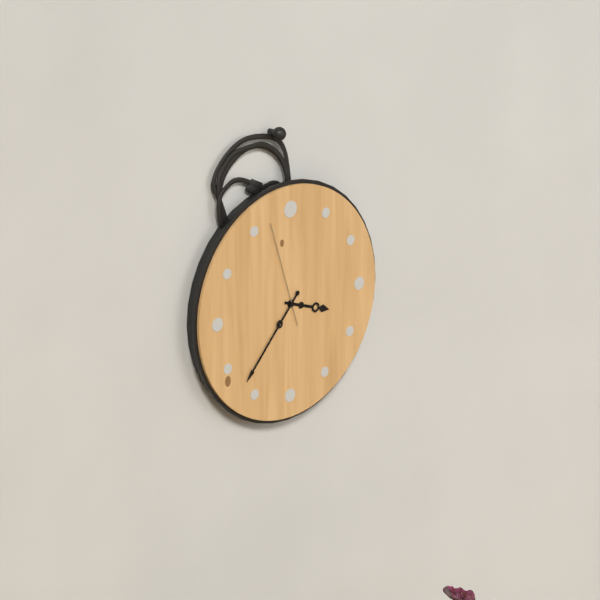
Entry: h=3 m=37 s=57
